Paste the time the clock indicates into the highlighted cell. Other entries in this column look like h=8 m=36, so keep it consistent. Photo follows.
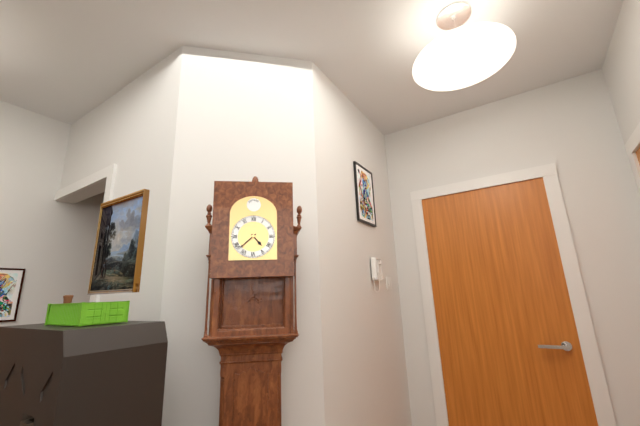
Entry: h=4 m=38
